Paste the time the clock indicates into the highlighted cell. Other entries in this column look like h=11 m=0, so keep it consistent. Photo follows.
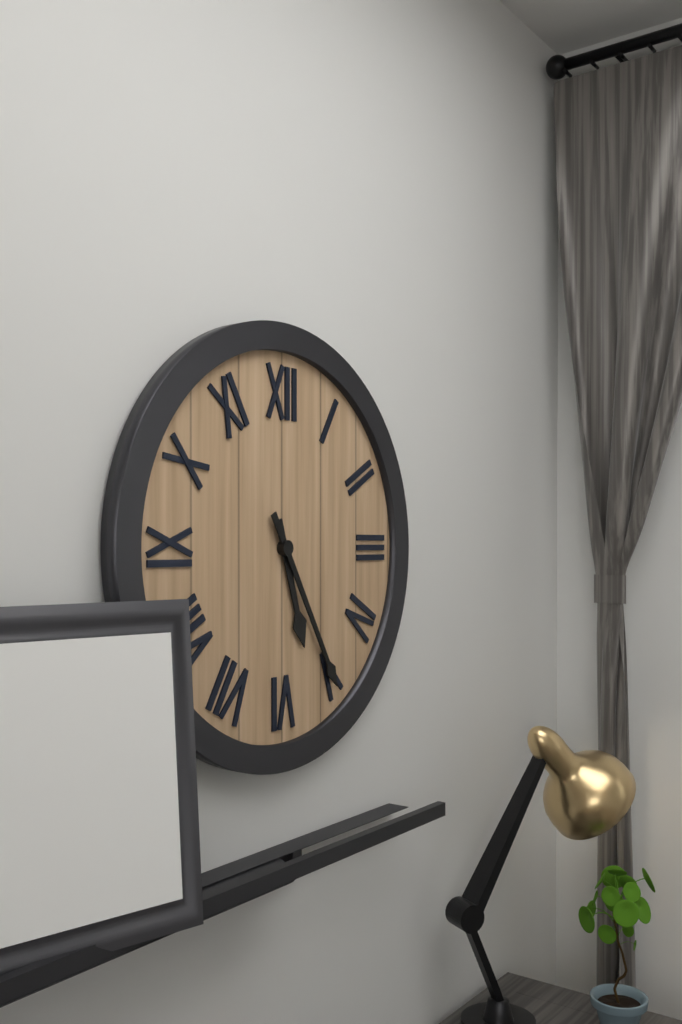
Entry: h=5 m=25
